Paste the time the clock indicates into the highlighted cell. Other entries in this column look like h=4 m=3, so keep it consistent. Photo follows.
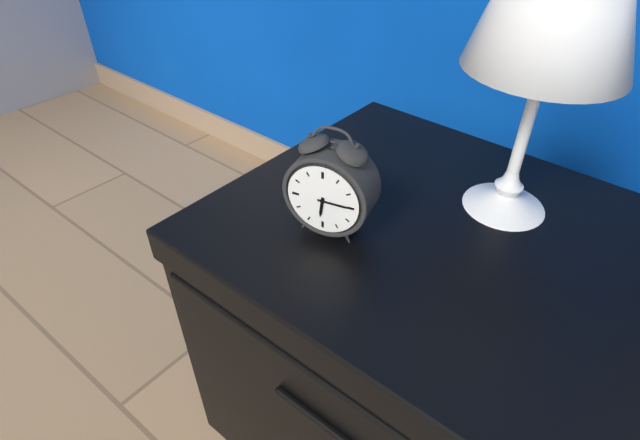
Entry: h=6 m=15
